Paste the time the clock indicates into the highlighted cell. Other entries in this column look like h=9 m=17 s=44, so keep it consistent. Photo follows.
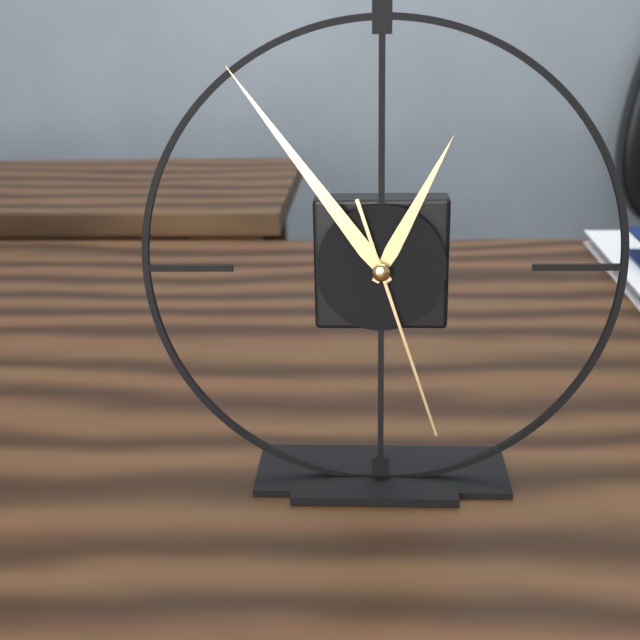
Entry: h=12 m=54 s=27
